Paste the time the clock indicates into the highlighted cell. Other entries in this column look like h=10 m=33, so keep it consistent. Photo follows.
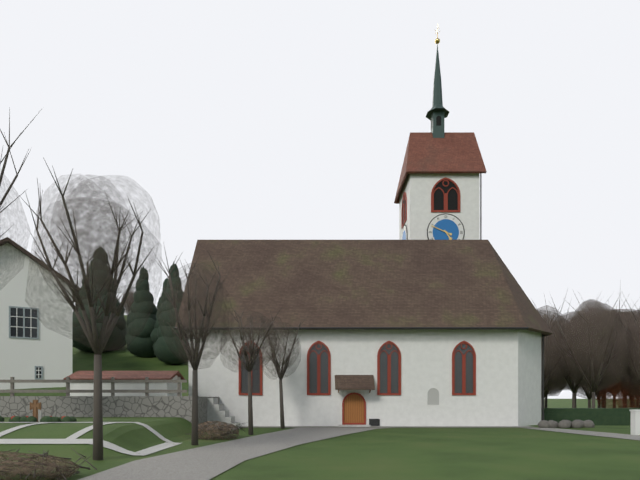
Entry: h=4 m=49
